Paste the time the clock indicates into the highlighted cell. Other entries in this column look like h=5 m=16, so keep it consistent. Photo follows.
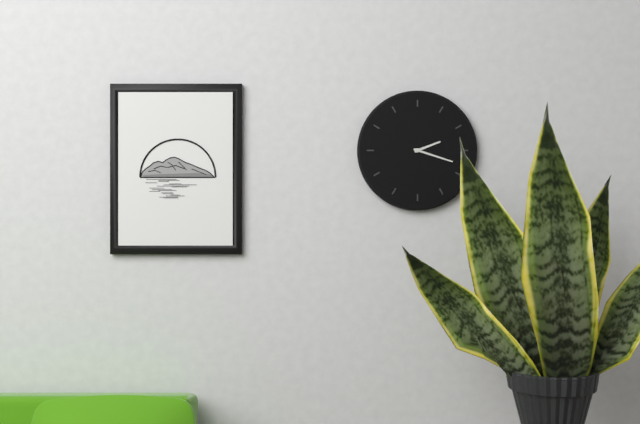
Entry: h=2 m=18
